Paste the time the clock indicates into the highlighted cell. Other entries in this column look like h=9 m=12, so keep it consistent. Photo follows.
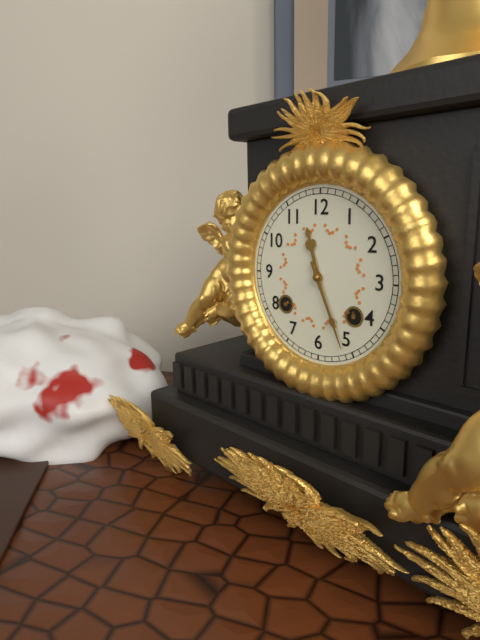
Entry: h=11 m=26
